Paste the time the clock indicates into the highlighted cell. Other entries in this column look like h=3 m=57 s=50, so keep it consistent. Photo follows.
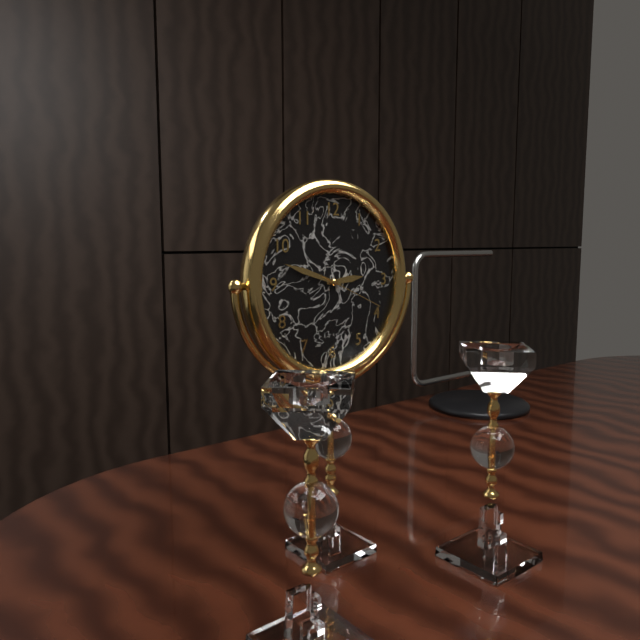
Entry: h=2 m=48 s=19
